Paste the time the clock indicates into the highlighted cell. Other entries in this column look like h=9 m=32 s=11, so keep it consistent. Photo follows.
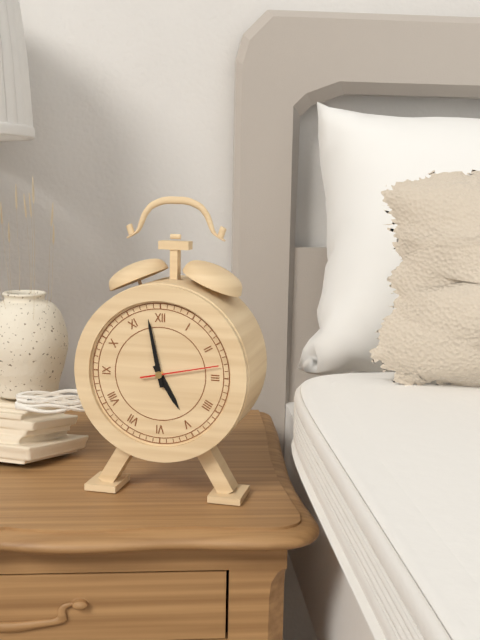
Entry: h=4 m=58 s=13
